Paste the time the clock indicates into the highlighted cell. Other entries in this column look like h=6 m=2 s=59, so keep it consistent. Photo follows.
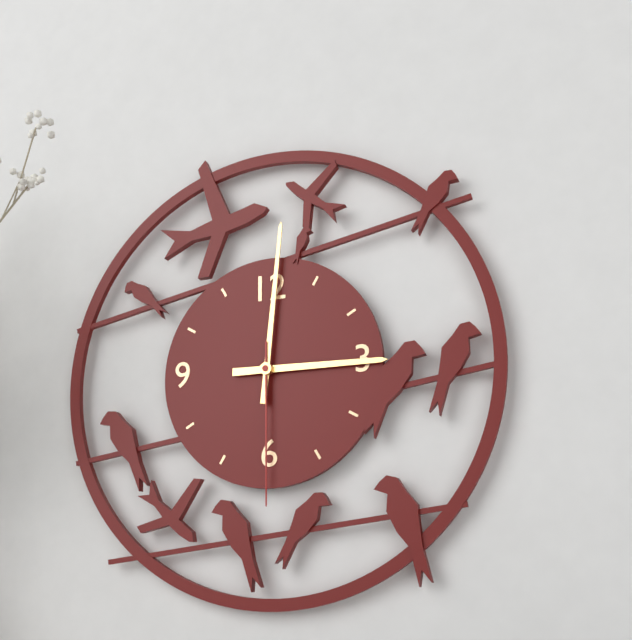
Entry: h=3 m=1 s=30
